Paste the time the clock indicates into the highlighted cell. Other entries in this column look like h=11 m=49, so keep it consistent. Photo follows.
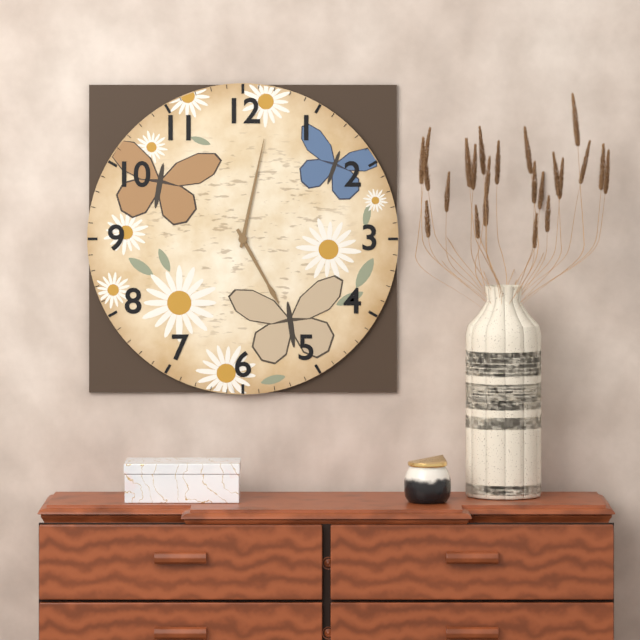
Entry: h=5 m=2
